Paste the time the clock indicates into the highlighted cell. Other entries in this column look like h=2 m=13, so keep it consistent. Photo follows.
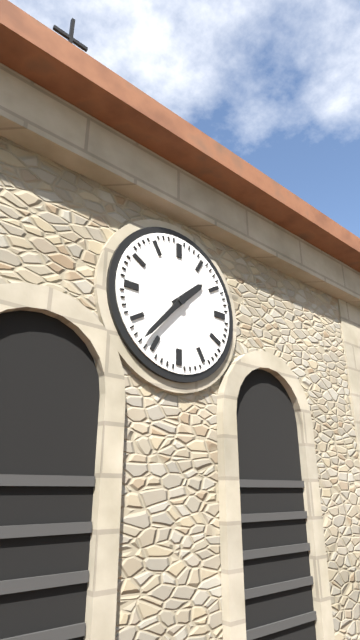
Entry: h=1 m=37
